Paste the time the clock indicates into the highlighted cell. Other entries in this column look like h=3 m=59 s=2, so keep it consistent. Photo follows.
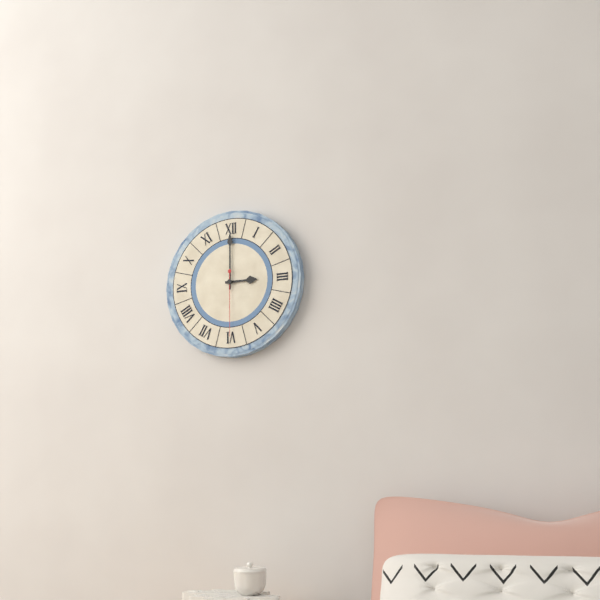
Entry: h=3 m=0 s=30
